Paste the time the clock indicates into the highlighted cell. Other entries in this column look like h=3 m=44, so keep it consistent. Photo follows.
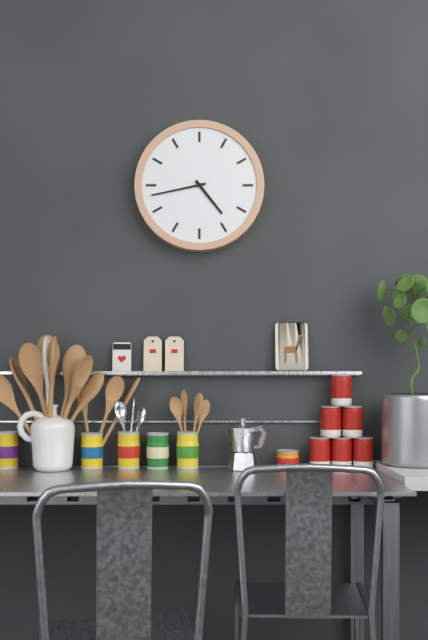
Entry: h=4 m=43
